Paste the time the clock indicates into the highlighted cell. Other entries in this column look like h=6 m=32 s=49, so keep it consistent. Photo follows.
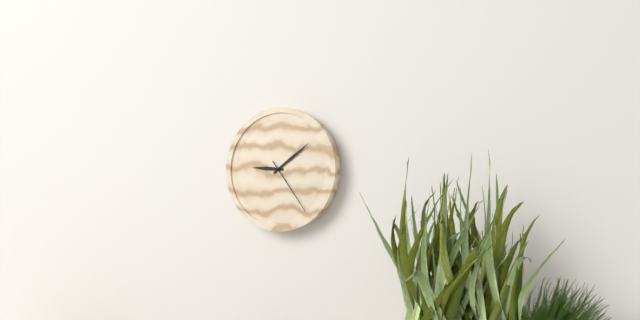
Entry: h=9 m=9 s=24
